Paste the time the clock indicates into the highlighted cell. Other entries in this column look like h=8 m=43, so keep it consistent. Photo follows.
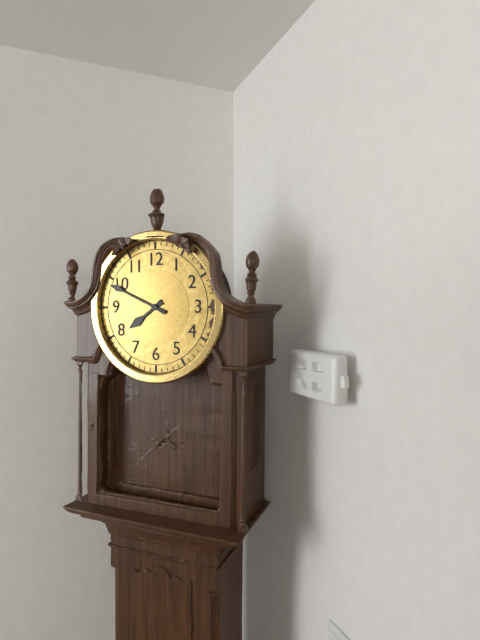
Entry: h=7 m=49
